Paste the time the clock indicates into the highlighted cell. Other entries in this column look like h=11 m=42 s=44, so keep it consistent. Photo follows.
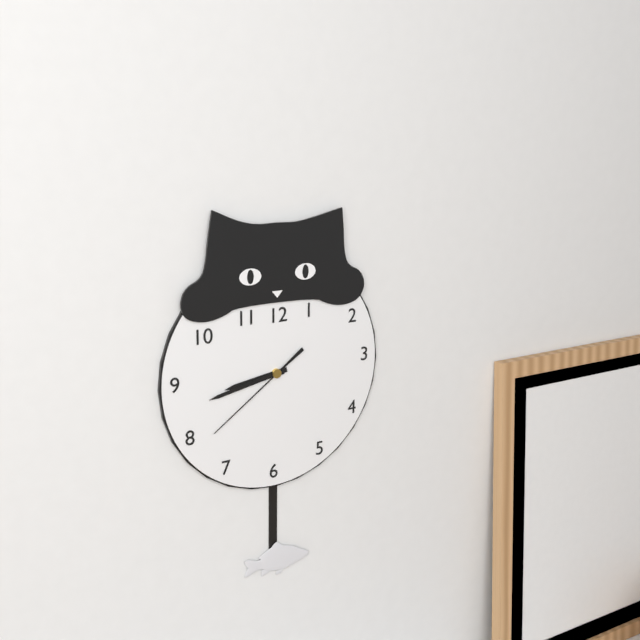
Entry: h=8 m=43 s=39
